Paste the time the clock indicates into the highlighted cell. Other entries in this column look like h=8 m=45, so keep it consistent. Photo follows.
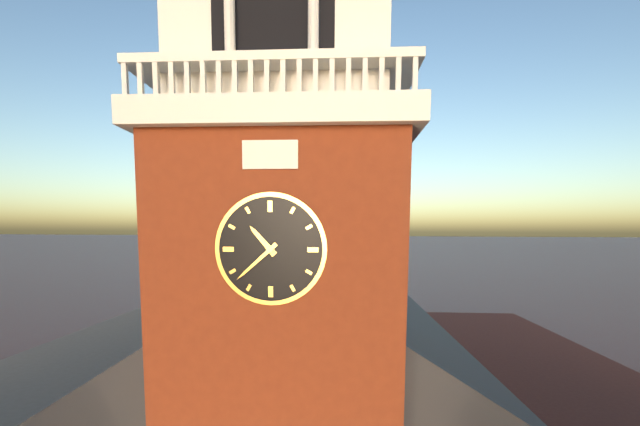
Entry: h=10 m=38
